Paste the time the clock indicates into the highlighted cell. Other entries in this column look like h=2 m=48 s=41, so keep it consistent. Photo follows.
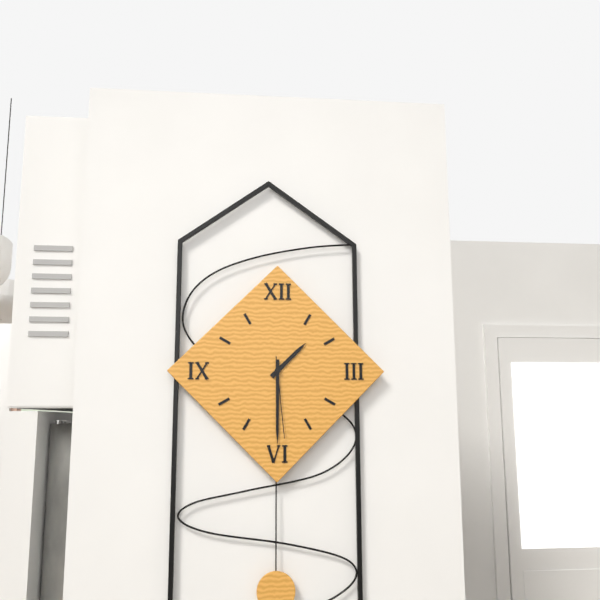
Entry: h=1 m=30 s=29
